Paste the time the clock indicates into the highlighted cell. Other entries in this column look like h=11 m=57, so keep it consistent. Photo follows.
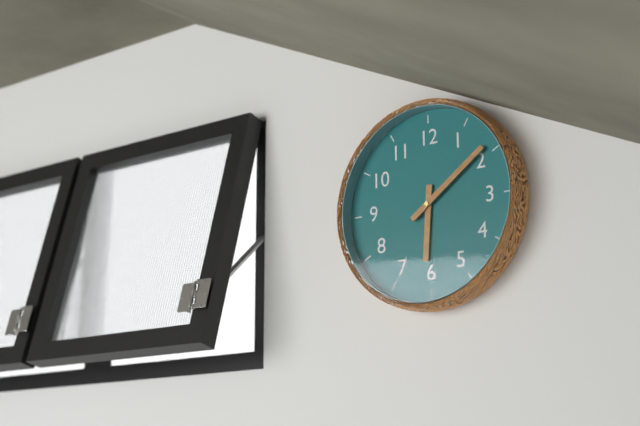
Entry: h=6 m=9
